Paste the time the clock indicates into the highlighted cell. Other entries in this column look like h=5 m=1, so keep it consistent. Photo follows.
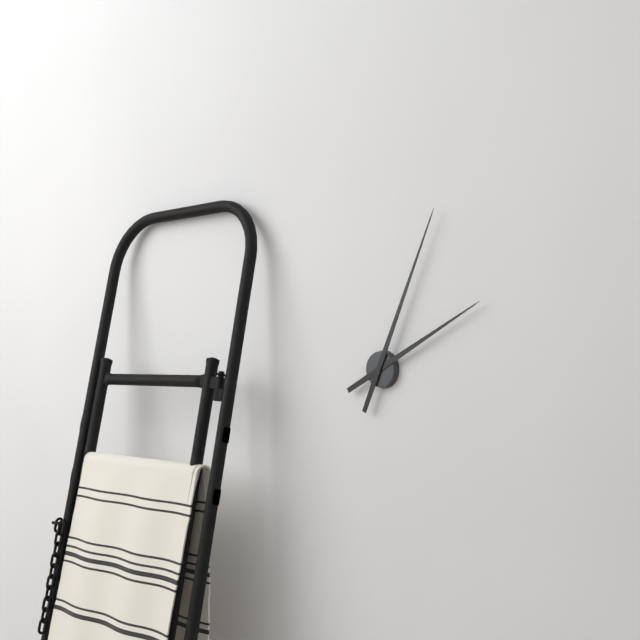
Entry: h=2 m=4
